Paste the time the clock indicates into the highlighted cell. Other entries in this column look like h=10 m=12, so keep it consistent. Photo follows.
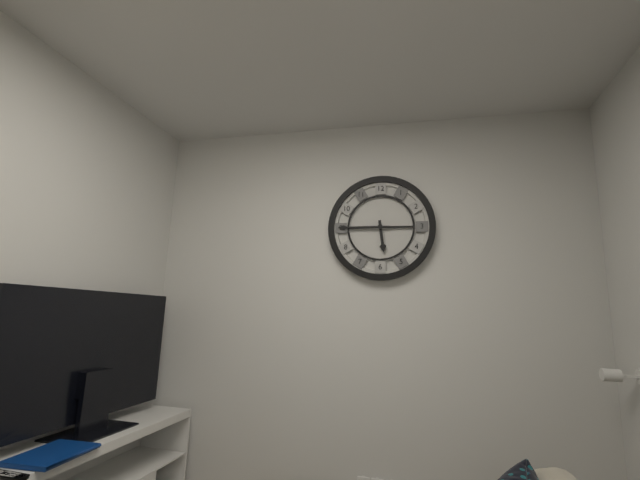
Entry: h=5 m=45
